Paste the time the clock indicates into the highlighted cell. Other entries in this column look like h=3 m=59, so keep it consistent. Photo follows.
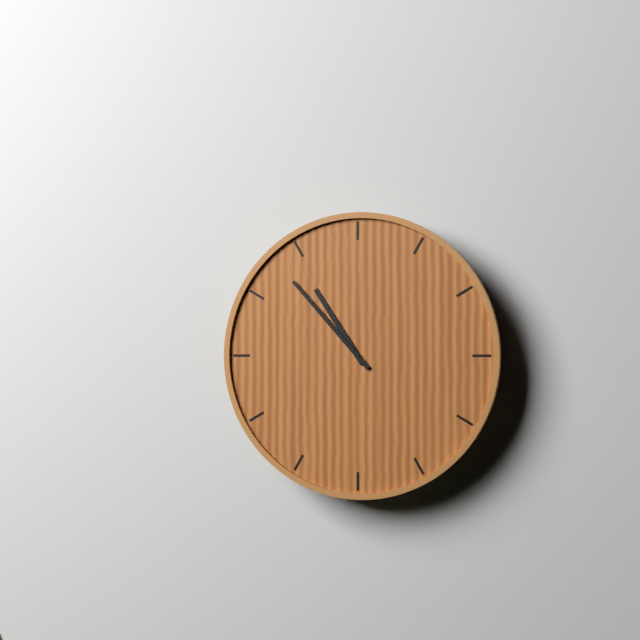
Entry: h=10 m=53
